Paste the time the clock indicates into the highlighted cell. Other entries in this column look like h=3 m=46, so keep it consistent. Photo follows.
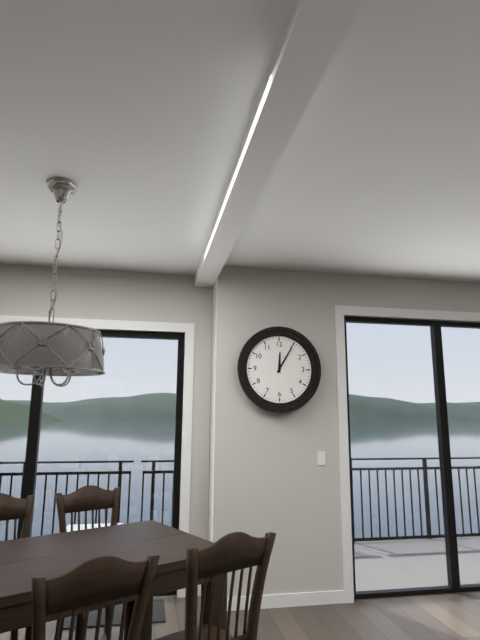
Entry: h=12 m=5
